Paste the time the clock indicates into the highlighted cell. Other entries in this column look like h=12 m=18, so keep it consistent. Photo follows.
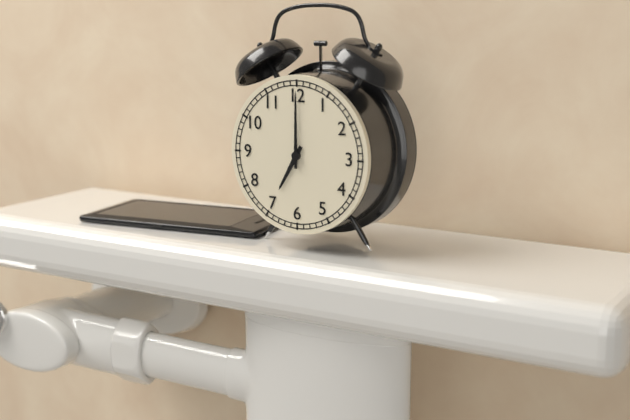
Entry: h=7 m=0
